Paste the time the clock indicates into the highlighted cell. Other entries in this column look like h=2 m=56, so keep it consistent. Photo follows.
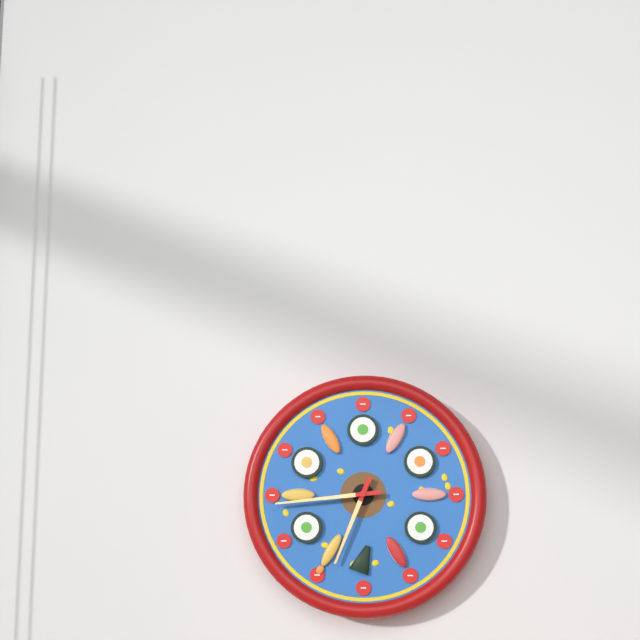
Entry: h=6 m=44
